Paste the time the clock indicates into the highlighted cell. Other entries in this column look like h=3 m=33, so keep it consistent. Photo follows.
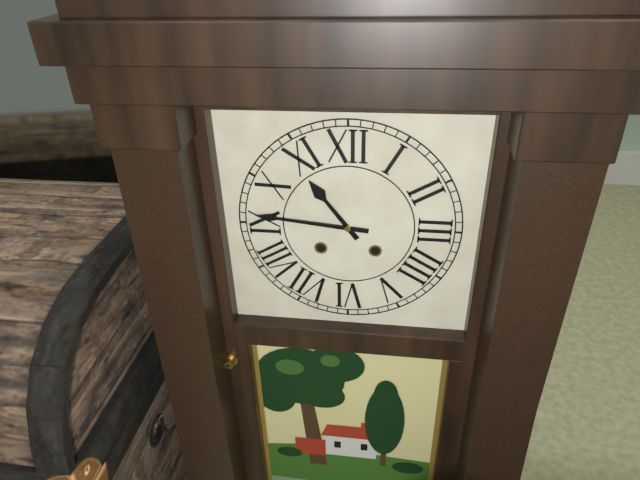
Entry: h=10 m=46
